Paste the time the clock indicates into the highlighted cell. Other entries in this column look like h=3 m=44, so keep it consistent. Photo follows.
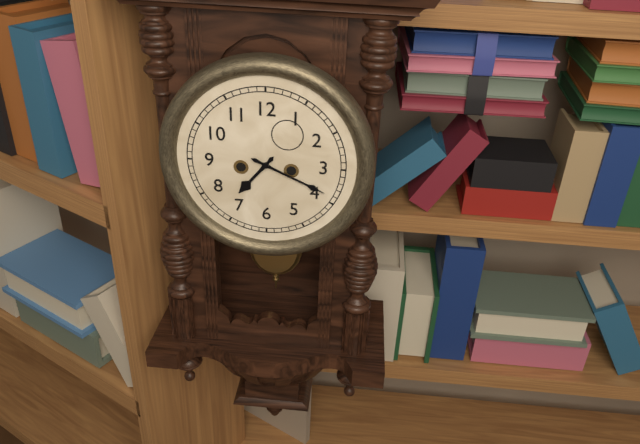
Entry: h=7 m=19
